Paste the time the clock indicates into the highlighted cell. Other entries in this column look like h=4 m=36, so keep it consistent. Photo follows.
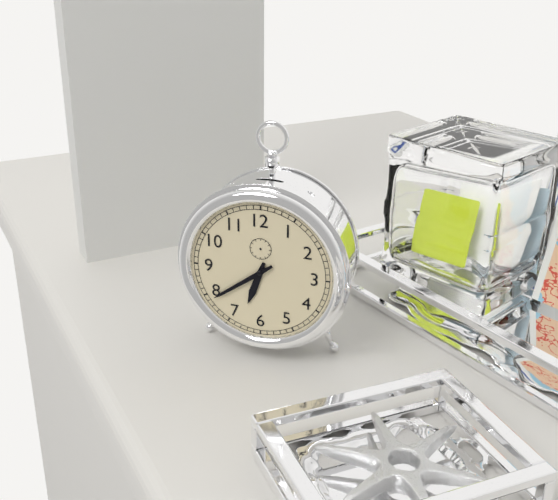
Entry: h=6 m=39
